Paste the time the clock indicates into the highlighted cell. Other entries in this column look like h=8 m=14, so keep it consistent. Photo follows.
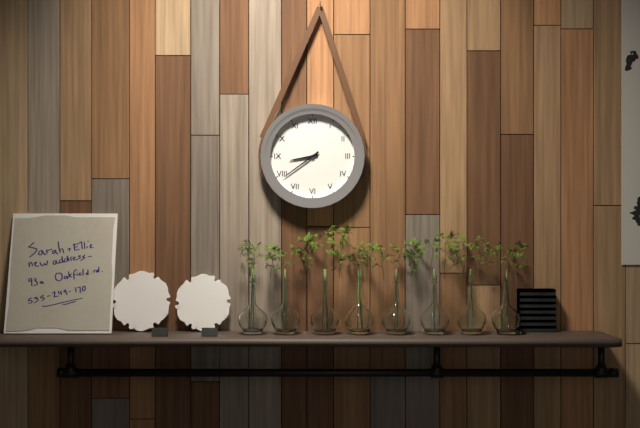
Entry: h=8 m=39
